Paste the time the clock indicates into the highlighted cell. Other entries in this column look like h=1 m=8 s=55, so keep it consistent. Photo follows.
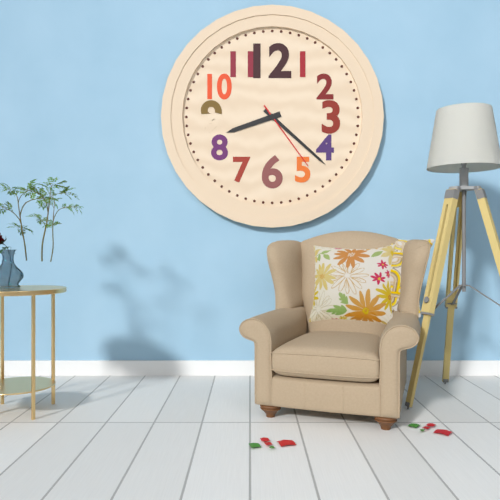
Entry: h=8 m=22 s=24
